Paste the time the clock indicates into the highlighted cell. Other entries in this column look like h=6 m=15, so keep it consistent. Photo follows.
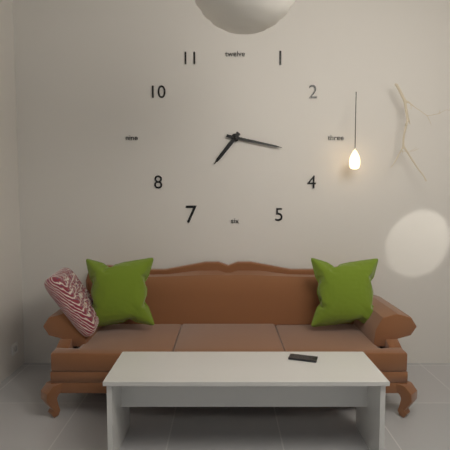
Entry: h=7 m=17
